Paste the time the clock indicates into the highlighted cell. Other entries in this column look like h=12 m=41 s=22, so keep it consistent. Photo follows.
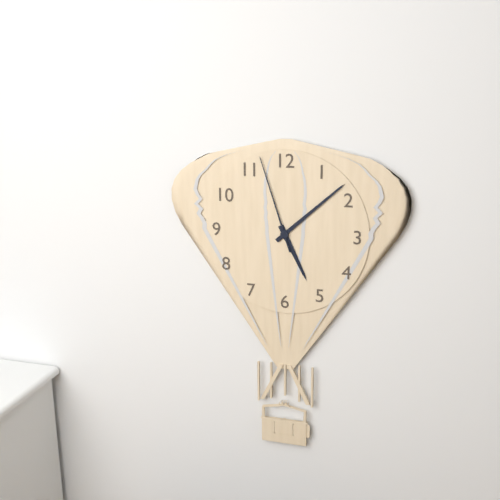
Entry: h=5 m=8 s=57
